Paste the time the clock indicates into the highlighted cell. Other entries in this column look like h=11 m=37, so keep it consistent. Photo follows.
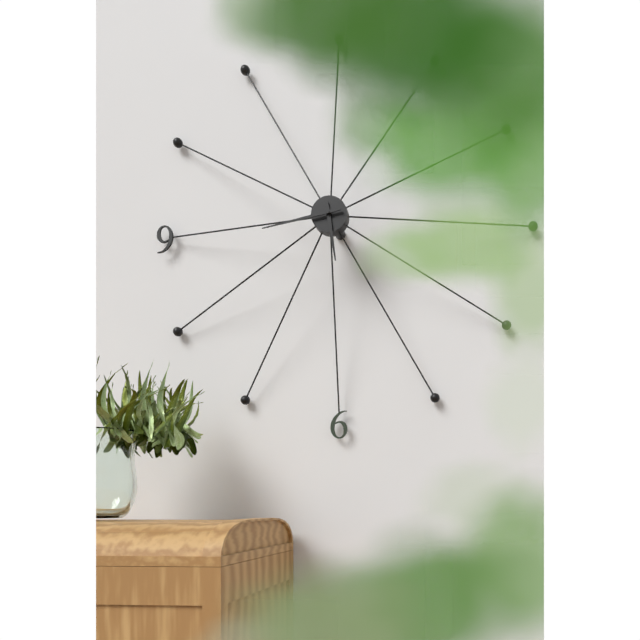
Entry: h=5 m=43
